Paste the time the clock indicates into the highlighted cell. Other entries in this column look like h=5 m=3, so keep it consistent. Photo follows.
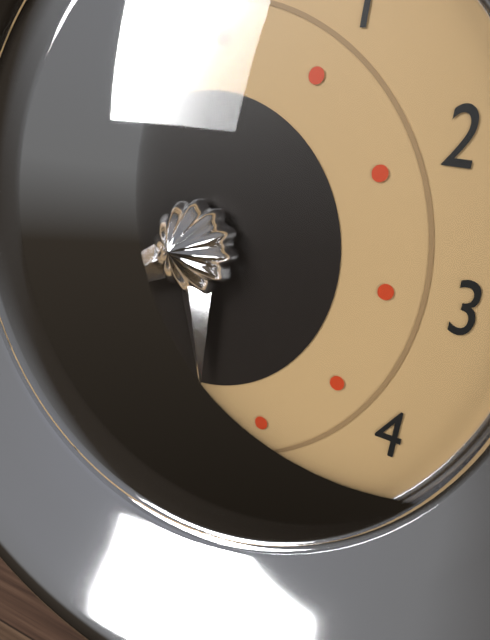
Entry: h=5 m=40
